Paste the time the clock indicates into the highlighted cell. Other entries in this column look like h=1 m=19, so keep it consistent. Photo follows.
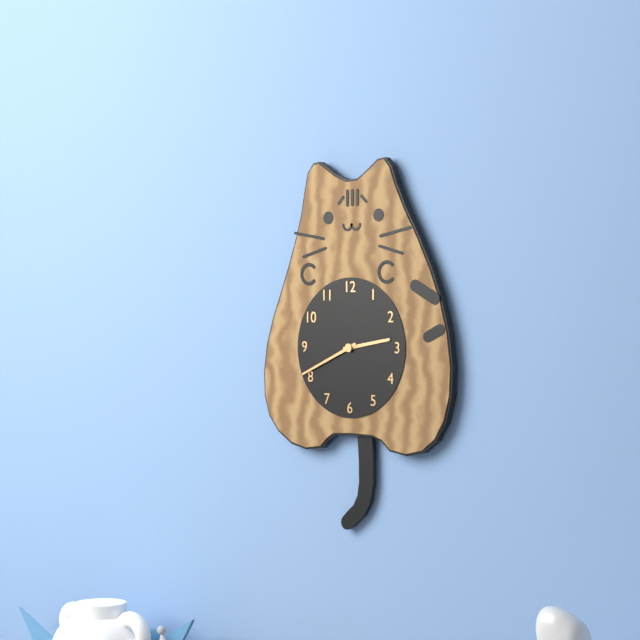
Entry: h=2 m=41
